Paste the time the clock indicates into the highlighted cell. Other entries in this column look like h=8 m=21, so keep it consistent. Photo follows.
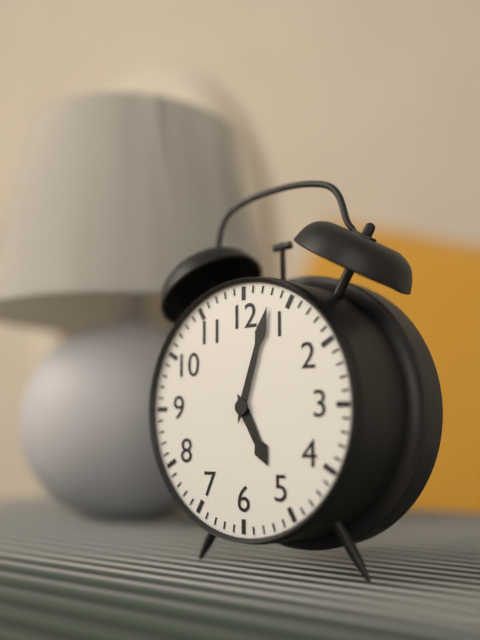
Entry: h=5 m=3
